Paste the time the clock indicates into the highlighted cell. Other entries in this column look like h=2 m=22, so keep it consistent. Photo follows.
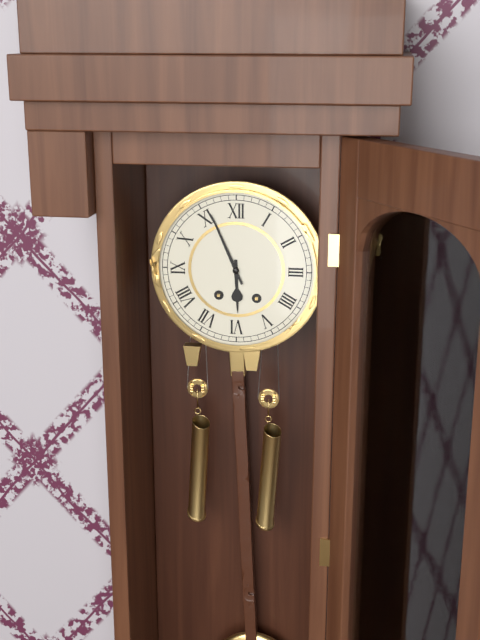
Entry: h=5 m=56
